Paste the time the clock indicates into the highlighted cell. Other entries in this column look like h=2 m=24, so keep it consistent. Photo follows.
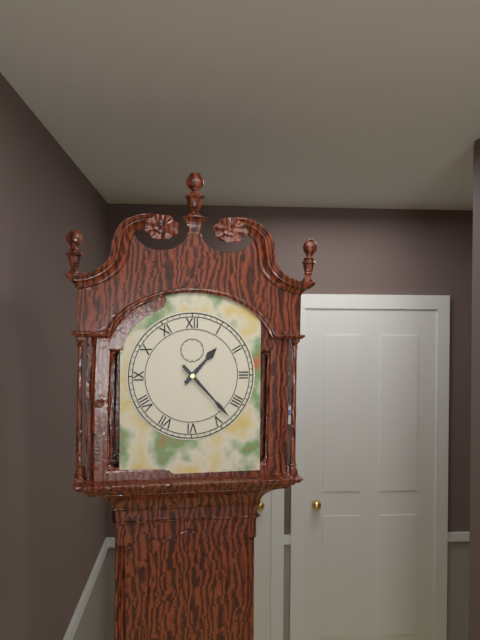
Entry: h=1 m=23
